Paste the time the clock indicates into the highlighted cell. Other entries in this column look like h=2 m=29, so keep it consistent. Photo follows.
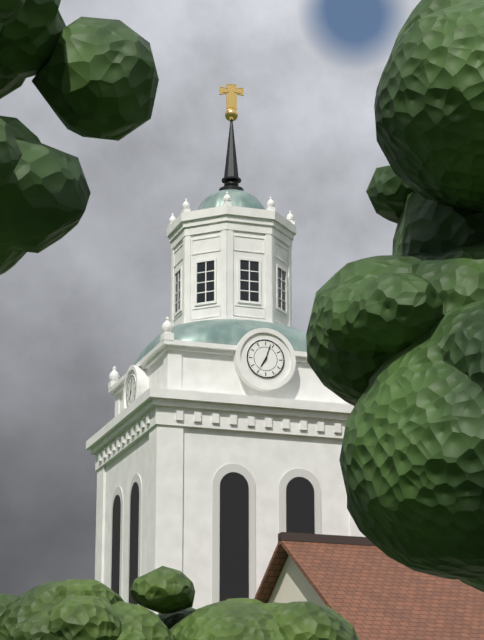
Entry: h=7 m=3
